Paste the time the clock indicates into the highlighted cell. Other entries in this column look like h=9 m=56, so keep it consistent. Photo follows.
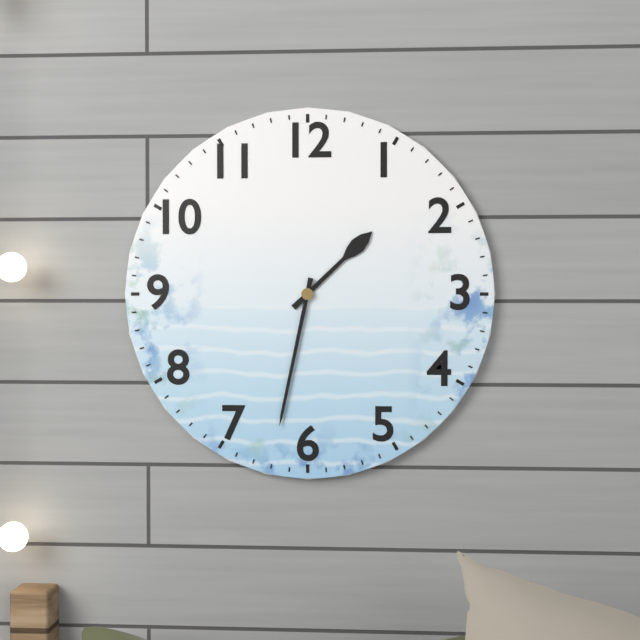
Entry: h=1 m=32
